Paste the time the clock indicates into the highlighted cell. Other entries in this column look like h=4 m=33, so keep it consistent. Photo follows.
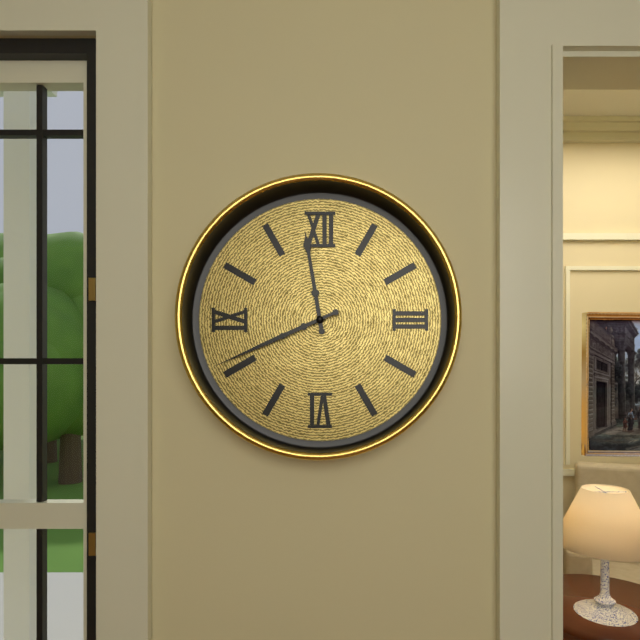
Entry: h=11 m=41
